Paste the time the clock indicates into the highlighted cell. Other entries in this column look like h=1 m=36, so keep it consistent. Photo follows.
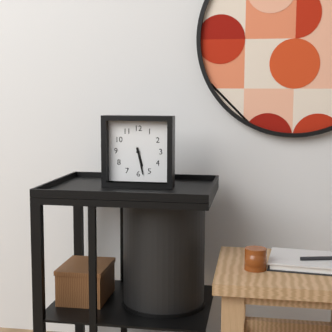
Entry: h=5 m=28
